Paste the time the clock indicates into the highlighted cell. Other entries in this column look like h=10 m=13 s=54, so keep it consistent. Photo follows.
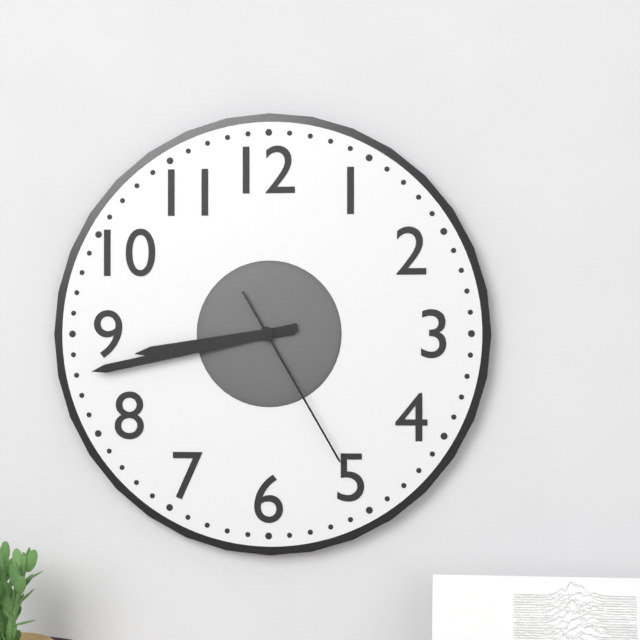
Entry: h=8 m=43 s=25
